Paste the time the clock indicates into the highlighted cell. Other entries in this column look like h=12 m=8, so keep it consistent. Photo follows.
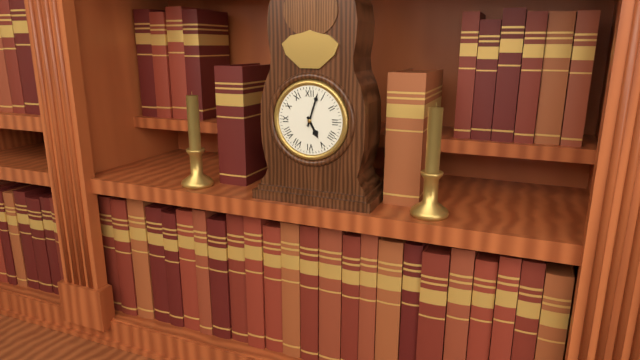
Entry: h=5 m=3
